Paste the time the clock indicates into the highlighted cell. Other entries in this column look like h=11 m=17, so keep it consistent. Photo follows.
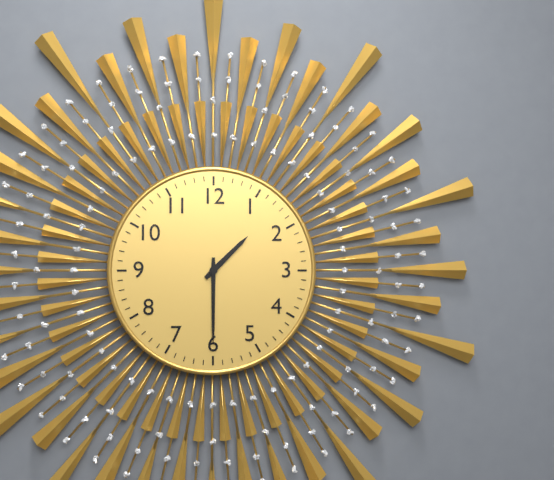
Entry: h=1 m=30
